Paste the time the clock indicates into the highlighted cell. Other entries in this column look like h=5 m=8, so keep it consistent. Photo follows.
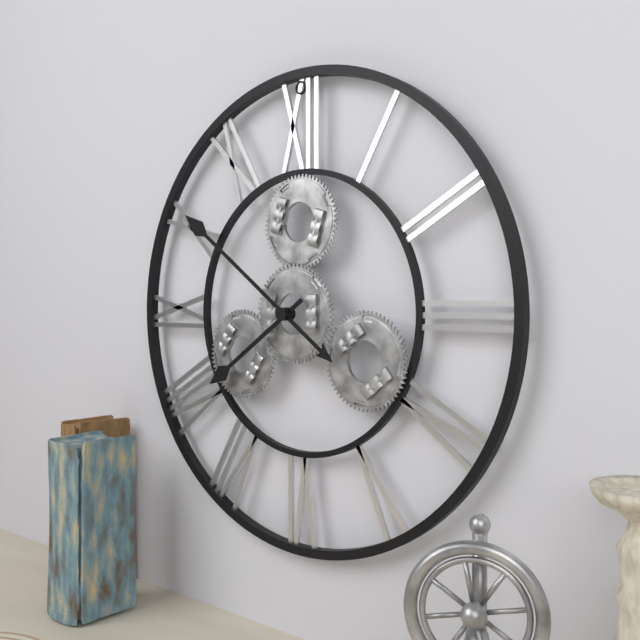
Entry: h=7 m=51
